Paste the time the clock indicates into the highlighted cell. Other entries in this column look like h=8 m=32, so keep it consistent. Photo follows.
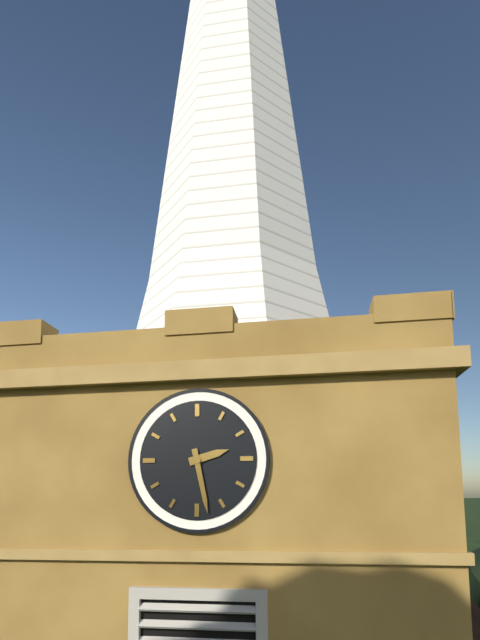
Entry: h=2 m=28
